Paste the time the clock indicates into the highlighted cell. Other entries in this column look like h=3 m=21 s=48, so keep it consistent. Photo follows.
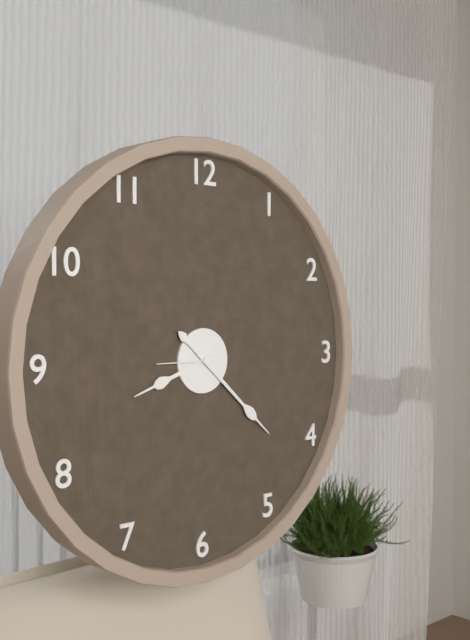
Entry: h=8 m=22 s=45
